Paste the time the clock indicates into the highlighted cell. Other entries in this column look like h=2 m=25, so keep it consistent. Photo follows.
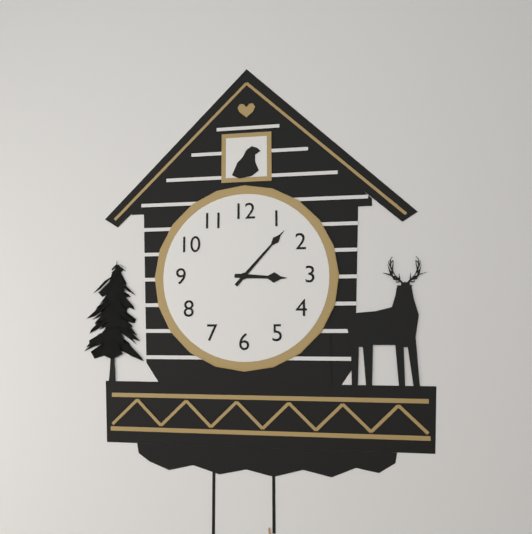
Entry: h=3 m=7
